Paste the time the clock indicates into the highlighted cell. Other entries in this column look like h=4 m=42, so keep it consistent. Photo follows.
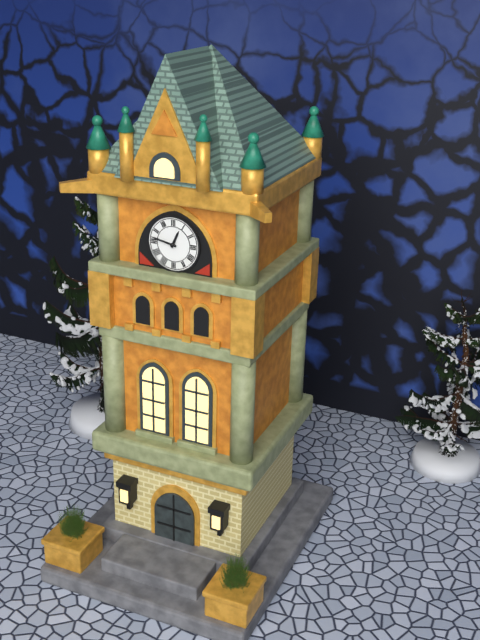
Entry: h=12 m=47
